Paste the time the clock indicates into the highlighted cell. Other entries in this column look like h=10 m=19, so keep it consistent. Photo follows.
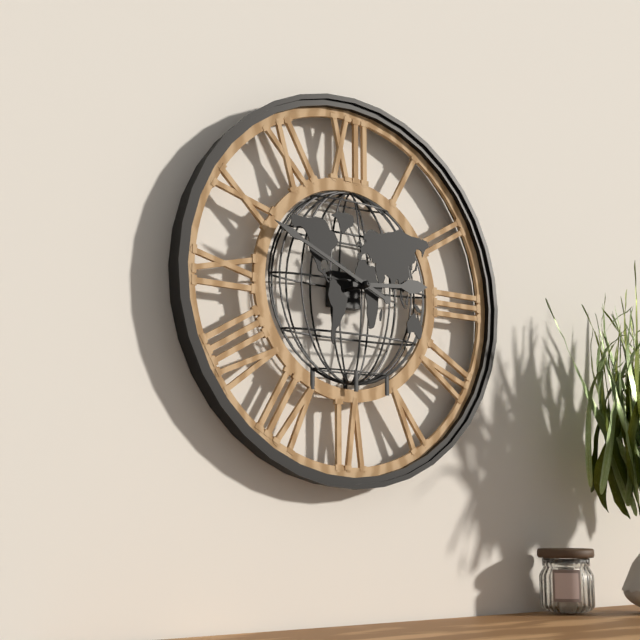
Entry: h=2 m=49
